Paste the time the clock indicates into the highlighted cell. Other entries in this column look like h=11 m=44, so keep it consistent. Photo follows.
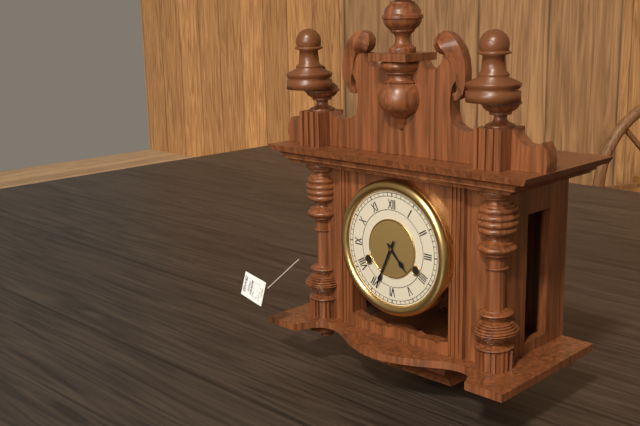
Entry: h=4 m=34
